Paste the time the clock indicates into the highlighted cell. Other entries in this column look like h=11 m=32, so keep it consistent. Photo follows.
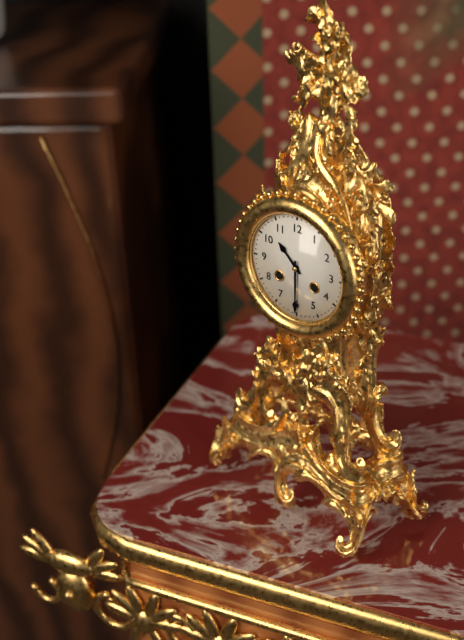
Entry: h=10 m=30
